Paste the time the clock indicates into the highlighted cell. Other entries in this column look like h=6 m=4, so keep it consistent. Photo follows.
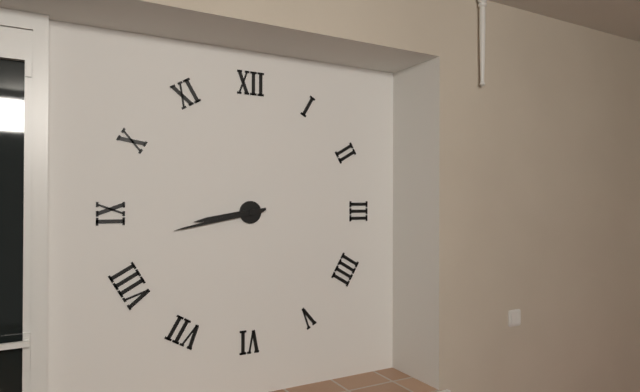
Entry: h=8 m=43
